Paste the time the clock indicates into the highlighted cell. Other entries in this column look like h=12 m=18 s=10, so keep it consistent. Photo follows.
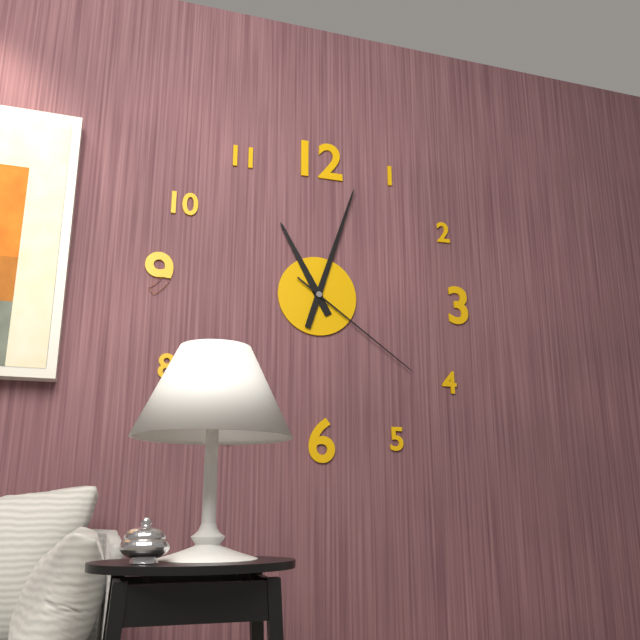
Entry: h=11 m=3 s=21
